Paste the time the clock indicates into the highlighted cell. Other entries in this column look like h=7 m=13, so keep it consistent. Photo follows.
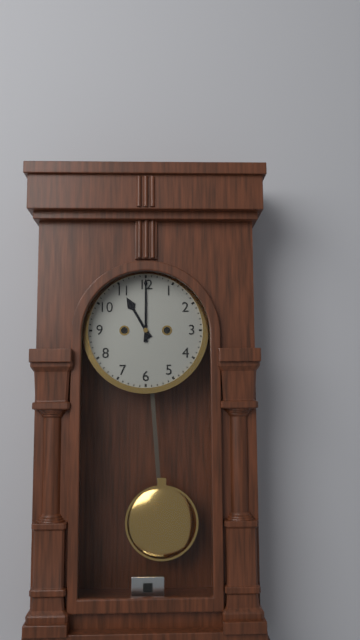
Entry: h=11 m=0
